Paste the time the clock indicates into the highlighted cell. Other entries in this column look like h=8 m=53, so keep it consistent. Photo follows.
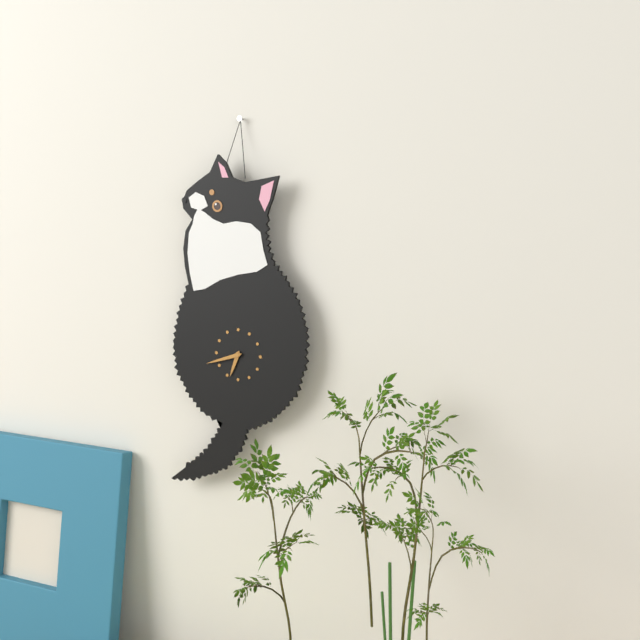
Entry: h=6 m=42
